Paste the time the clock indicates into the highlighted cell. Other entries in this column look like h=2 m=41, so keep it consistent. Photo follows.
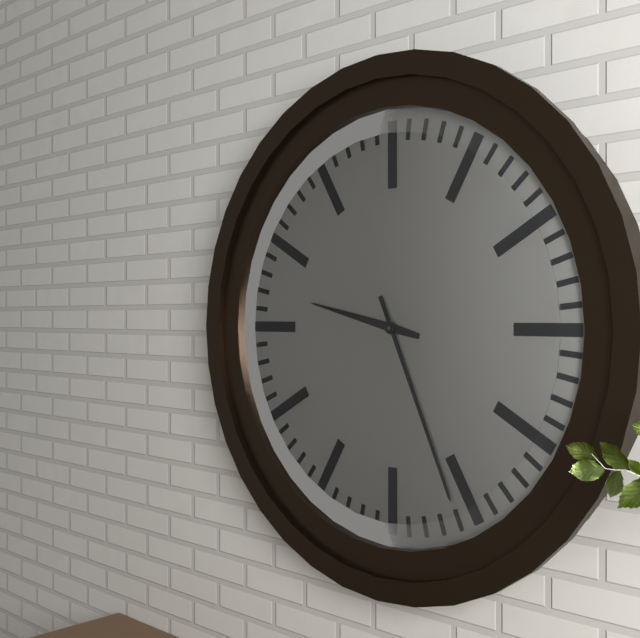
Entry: h=9 m=26
